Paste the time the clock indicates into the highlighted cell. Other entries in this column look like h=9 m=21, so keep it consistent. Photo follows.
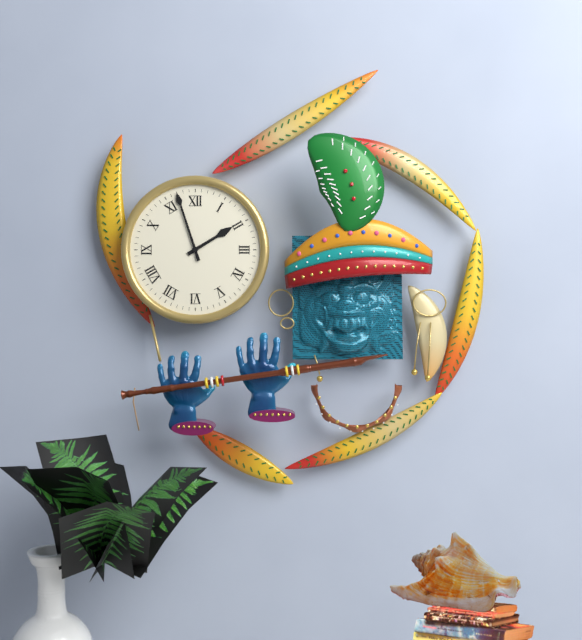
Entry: h=1 m=57
